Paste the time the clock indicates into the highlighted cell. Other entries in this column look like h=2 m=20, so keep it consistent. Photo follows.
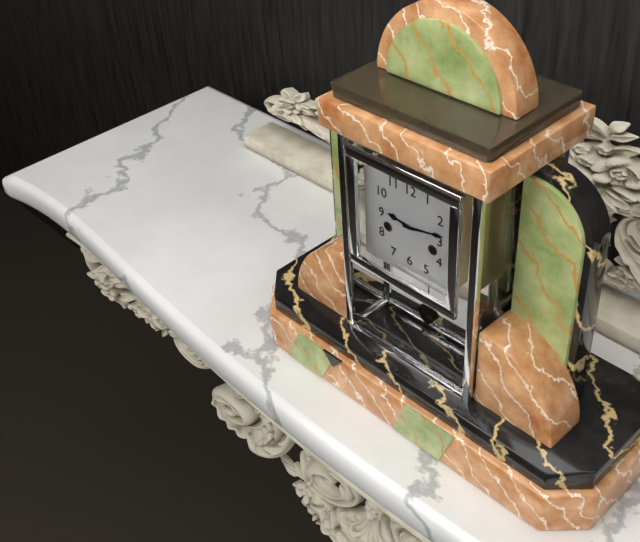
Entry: h=9 m=13
